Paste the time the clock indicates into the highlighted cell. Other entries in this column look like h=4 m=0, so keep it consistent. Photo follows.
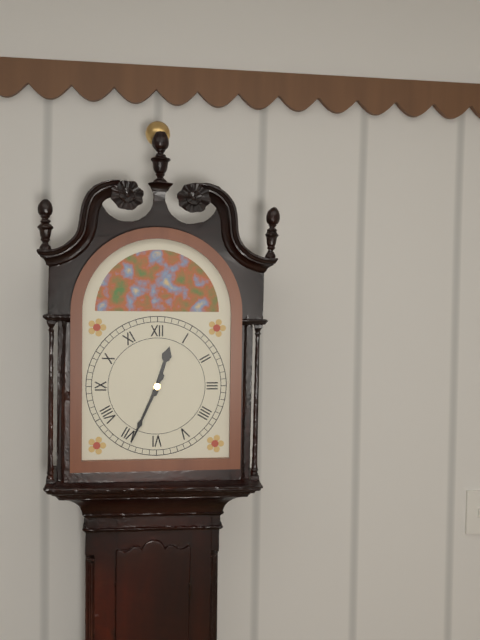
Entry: h=12 m=34
